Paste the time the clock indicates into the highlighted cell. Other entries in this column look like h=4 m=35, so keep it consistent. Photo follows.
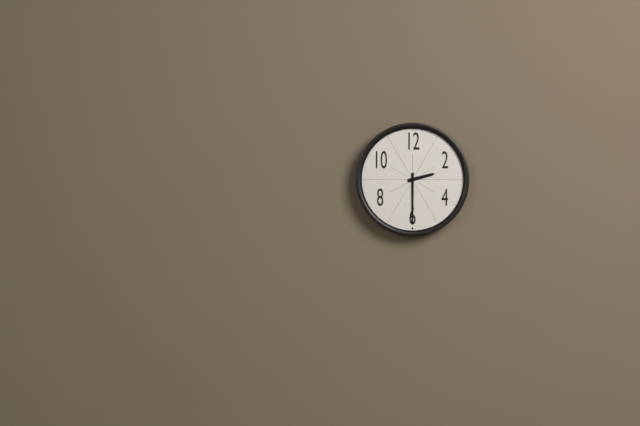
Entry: h=2 m=30
